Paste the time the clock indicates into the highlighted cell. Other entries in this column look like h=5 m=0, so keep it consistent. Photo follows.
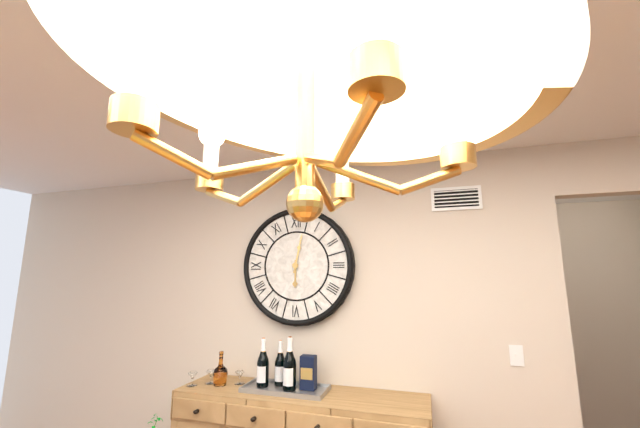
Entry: h=6 m=2
